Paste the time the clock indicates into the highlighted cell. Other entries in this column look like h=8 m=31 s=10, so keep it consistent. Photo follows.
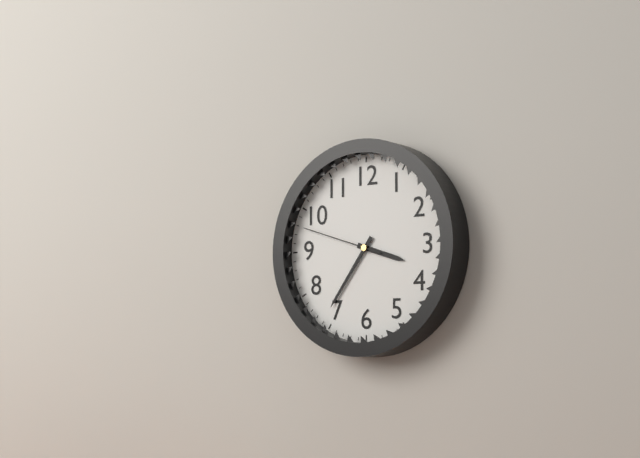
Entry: h=3 m=36 s=48
